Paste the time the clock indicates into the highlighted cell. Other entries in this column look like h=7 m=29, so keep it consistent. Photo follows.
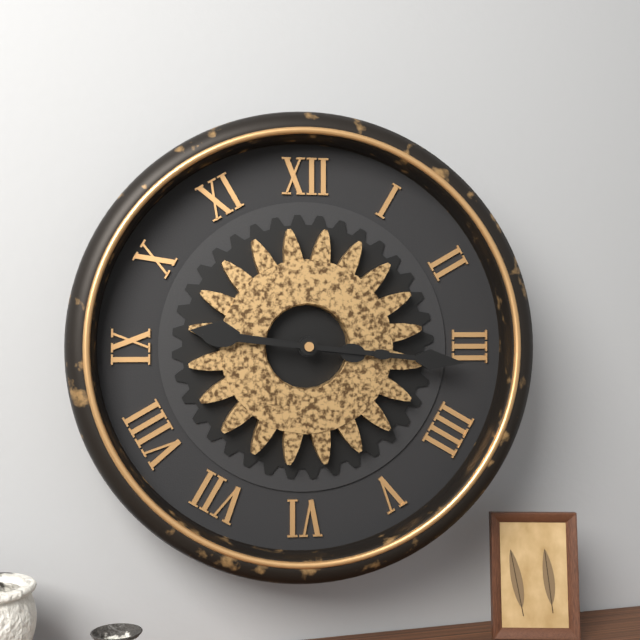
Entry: h=9 m=16
